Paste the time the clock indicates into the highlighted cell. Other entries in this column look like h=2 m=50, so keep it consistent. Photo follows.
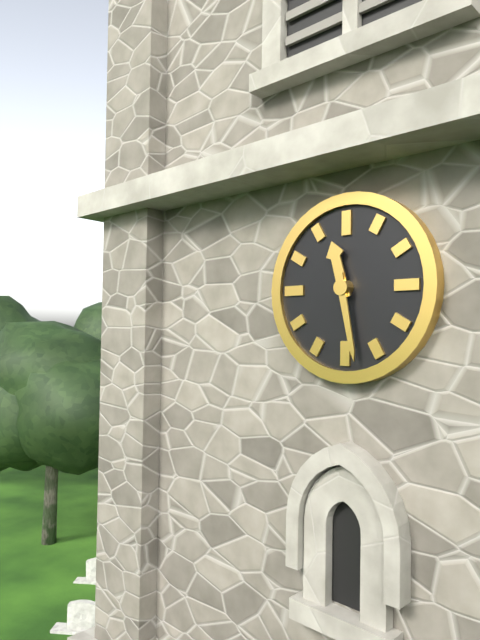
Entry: h=11 m=28
